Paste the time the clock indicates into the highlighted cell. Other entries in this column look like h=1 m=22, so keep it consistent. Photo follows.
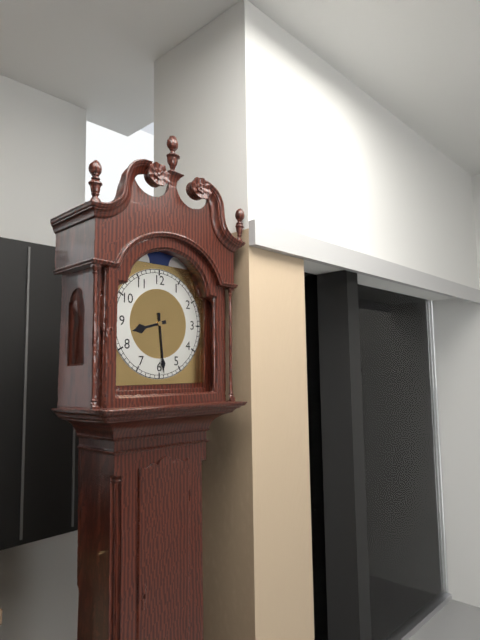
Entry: h=8 m=29
